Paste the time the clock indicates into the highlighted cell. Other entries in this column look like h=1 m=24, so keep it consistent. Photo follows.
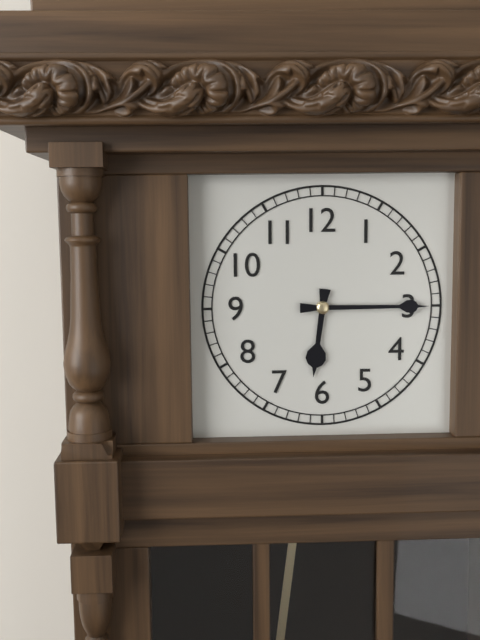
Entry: h=6 m=15
